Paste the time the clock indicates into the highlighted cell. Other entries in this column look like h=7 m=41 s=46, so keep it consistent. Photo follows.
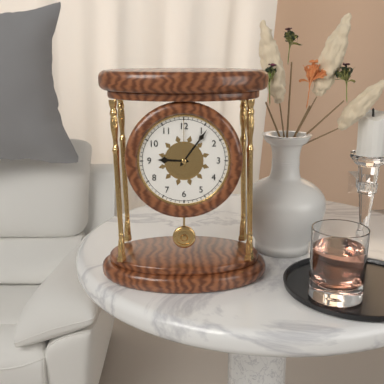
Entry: h=9 m=6 s=0
